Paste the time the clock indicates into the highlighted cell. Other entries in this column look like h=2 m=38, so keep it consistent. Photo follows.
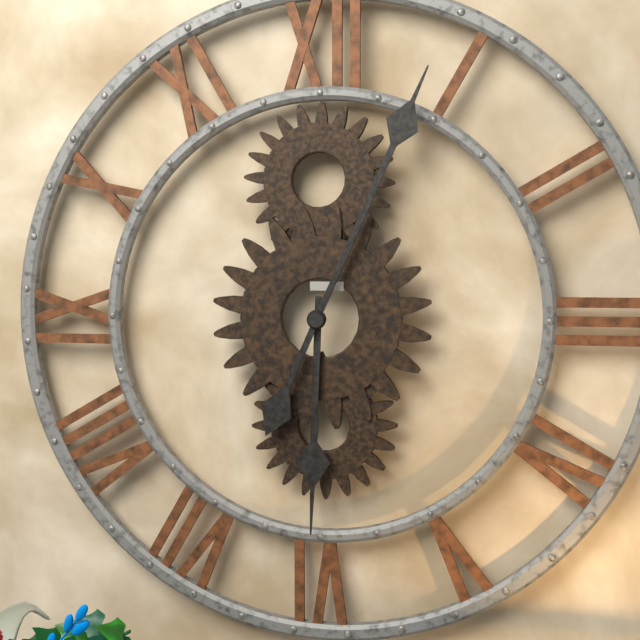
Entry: h=6 m=4
